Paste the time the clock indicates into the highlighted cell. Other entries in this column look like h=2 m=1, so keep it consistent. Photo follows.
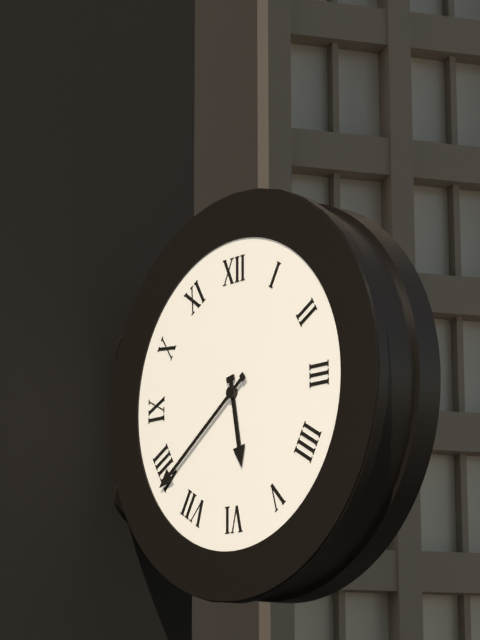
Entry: h=5 m=39
